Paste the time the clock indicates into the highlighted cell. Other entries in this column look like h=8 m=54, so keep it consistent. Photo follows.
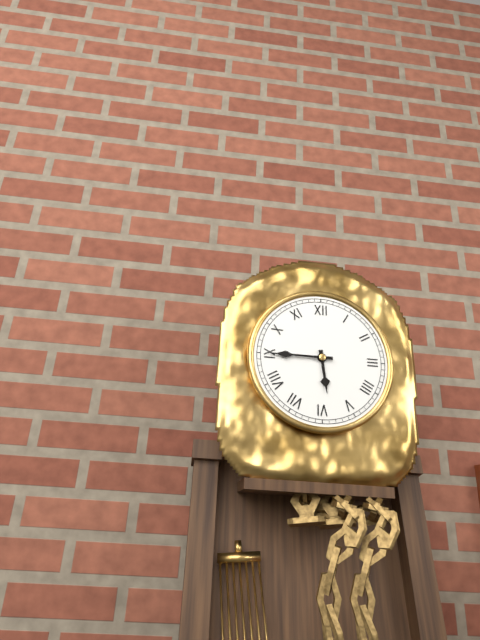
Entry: h=5 m=45
